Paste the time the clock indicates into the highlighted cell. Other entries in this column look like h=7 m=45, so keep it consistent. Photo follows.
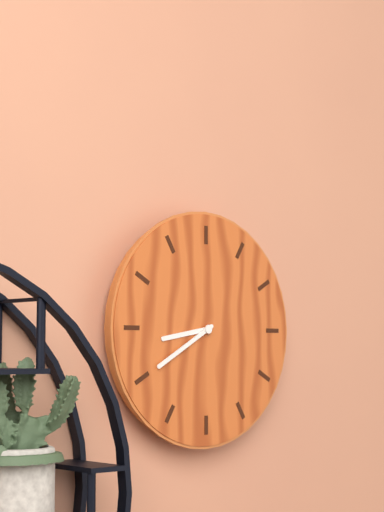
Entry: h=8 m=40
